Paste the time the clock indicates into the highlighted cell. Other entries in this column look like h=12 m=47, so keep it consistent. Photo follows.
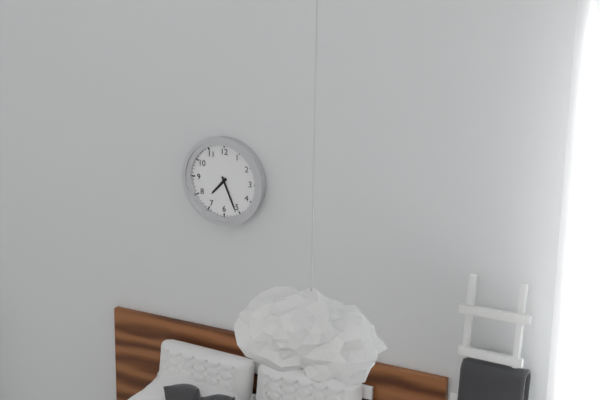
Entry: h=7 m=26
